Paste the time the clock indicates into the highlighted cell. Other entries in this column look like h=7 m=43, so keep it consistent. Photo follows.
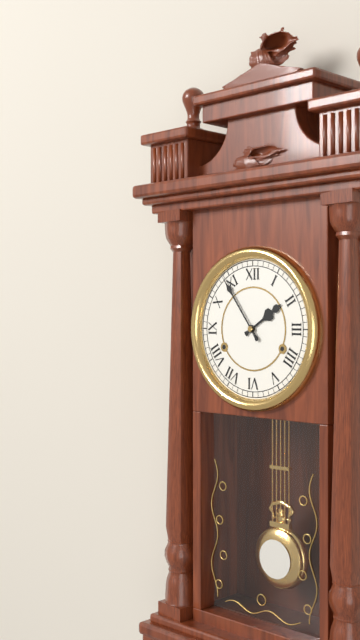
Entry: h=1 m=54
